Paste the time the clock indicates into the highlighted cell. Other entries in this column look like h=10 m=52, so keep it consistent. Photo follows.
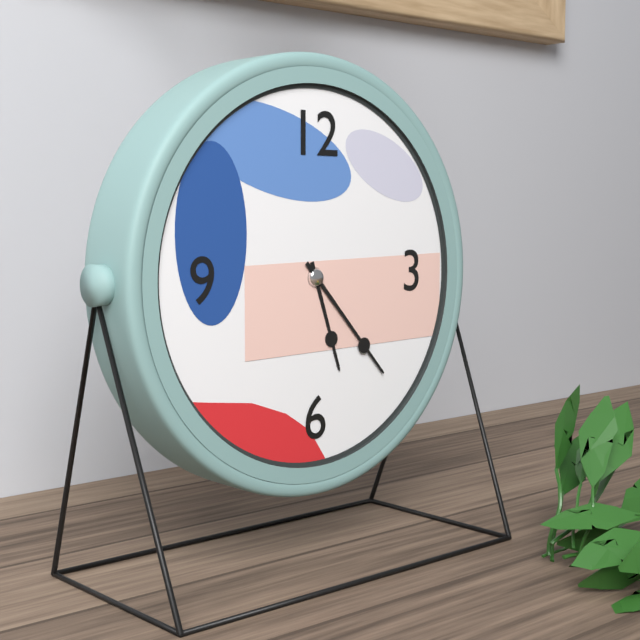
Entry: h=5 m=23
